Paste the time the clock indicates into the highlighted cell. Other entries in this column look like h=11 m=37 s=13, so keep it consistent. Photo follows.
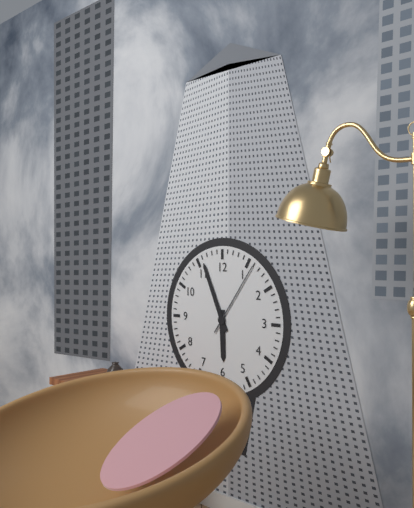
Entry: h=5 m=56 s=6
